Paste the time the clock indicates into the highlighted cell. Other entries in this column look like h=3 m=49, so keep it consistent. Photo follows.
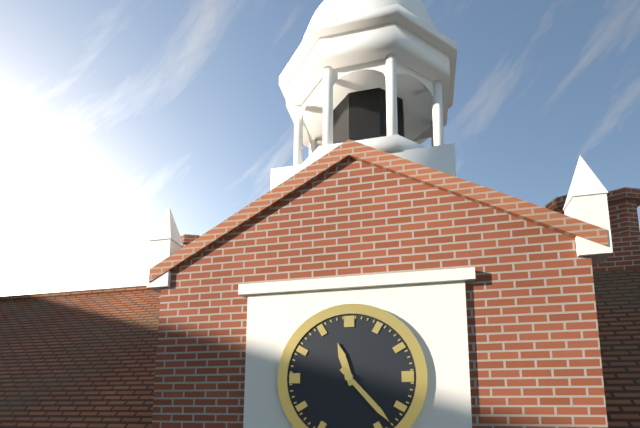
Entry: h=11 m=23
